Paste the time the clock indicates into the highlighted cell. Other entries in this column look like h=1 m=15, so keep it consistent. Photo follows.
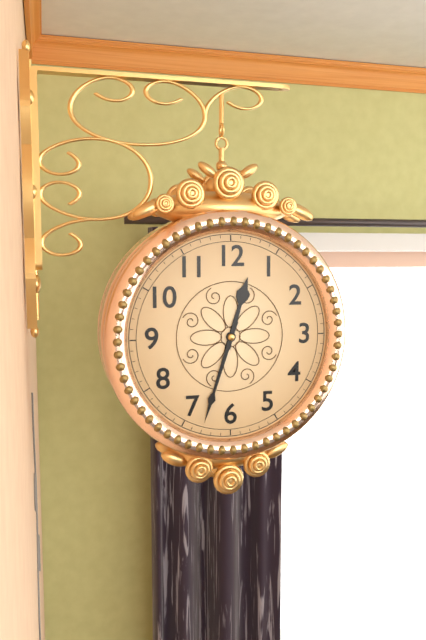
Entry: h=12 m=33
